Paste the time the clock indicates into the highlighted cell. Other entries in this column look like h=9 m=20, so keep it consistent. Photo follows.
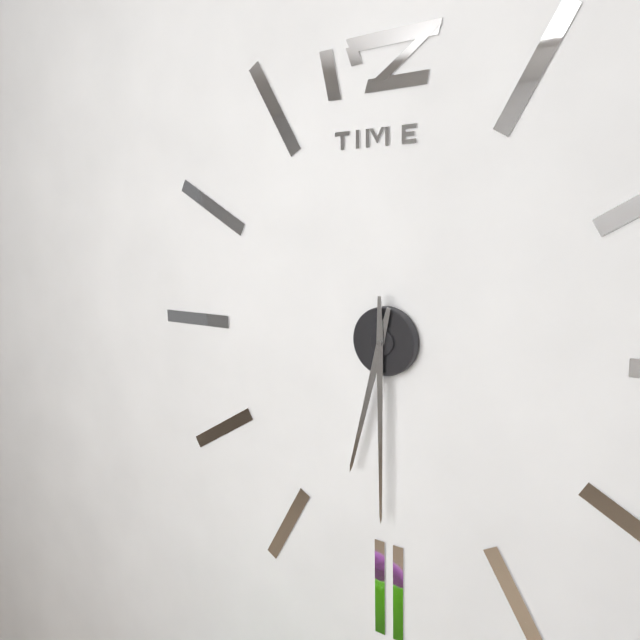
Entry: h=6 m=30
